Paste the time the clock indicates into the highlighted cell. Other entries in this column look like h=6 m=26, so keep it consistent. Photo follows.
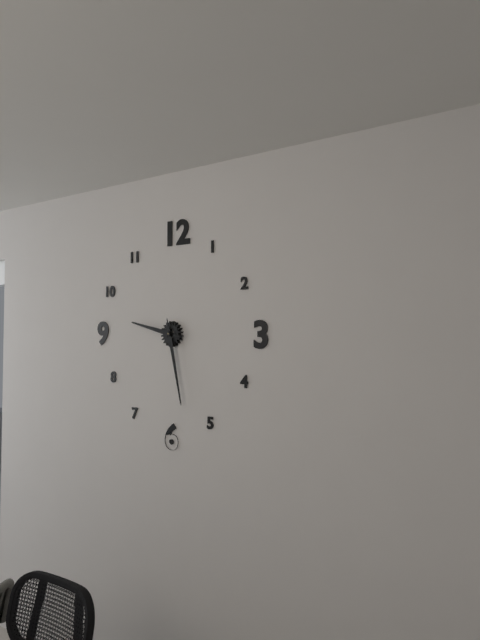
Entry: h=9 m=28
